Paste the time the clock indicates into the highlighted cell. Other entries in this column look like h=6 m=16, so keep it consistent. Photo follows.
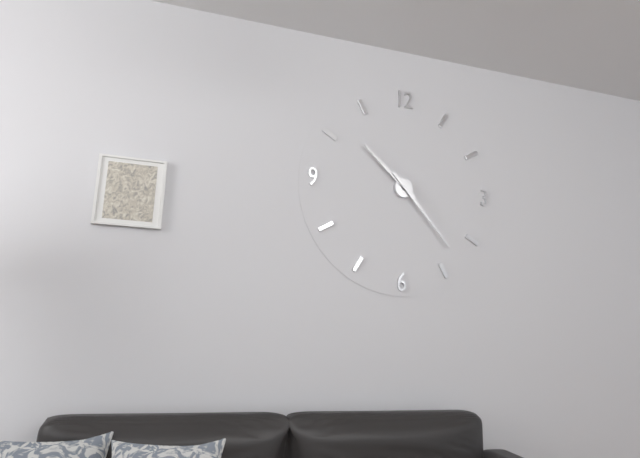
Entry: h=10 m=23
